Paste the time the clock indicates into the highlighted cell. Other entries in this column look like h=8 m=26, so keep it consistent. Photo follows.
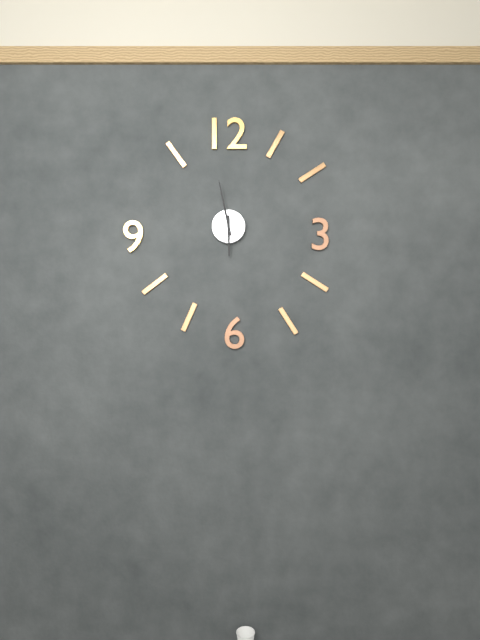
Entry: h=5 m=58
